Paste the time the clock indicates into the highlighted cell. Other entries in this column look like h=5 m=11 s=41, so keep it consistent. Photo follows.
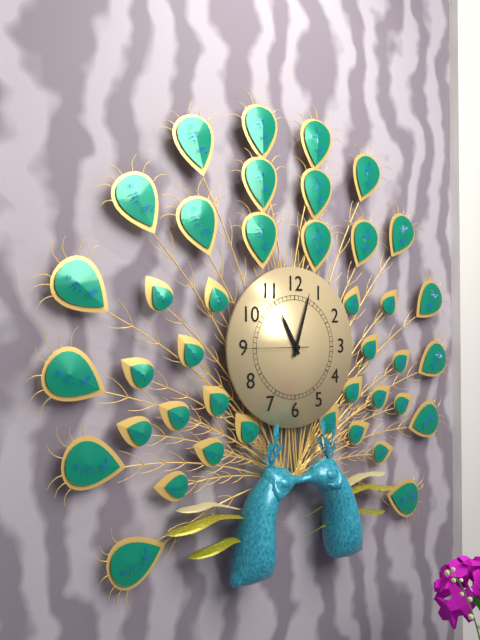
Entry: h=11 m=3 s=45
